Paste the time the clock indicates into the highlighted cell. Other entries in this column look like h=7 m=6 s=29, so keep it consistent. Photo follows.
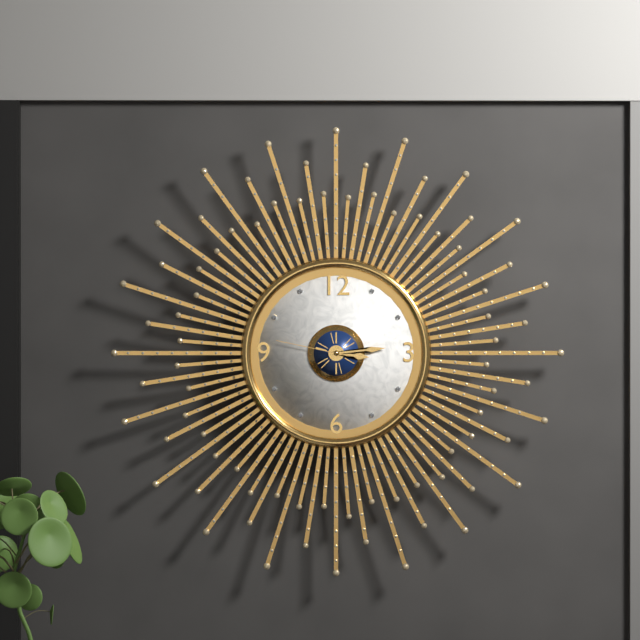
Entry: h=3 m=14 s=47
